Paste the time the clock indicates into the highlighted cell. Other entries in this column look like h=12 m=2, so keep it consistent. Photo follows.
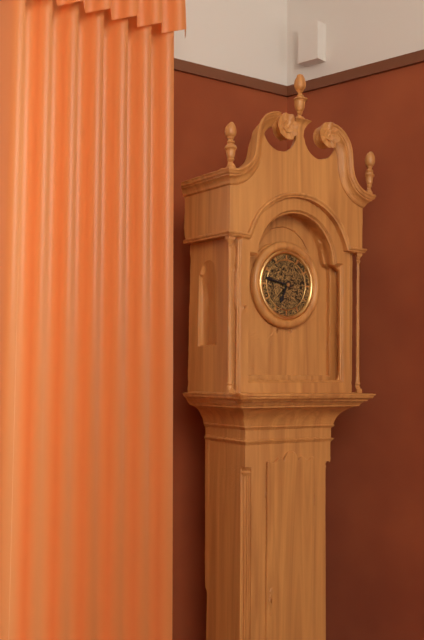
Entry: h=6 m=47
